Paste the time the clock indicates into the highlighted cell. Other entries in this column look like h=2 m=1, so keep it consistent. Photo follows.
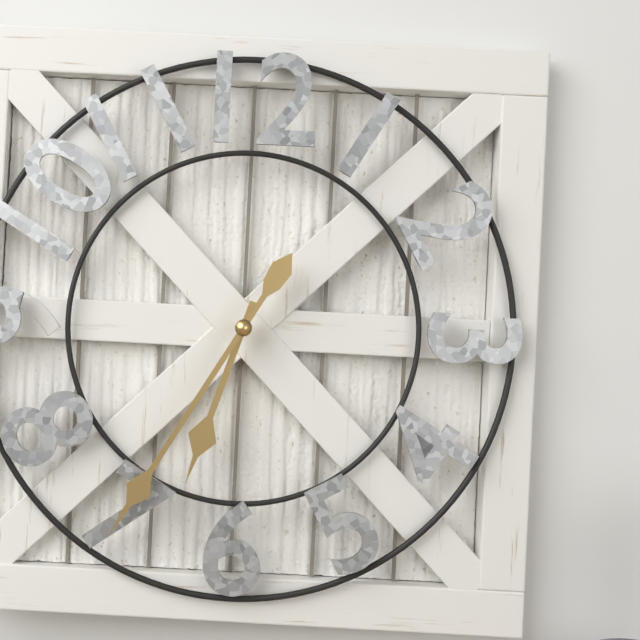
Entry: h=6 m=35
